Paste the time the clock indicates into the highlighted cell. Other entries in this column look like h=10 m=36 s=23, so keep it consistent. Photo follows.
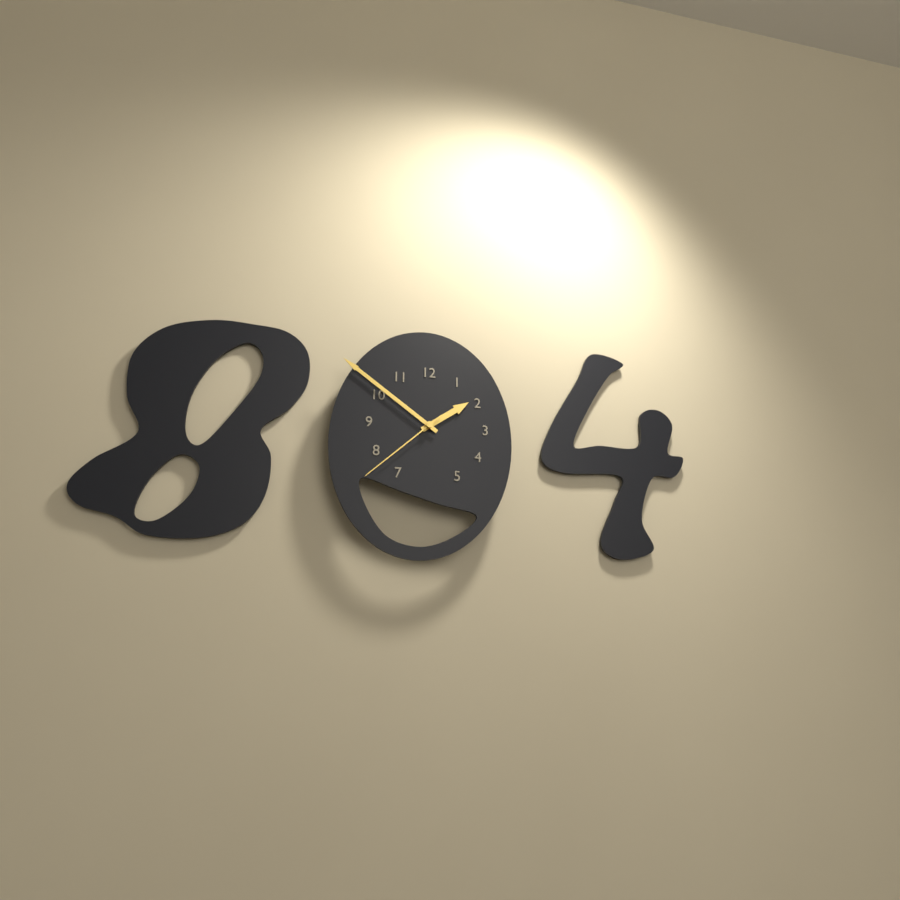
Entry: h=1 m=51 s=38
